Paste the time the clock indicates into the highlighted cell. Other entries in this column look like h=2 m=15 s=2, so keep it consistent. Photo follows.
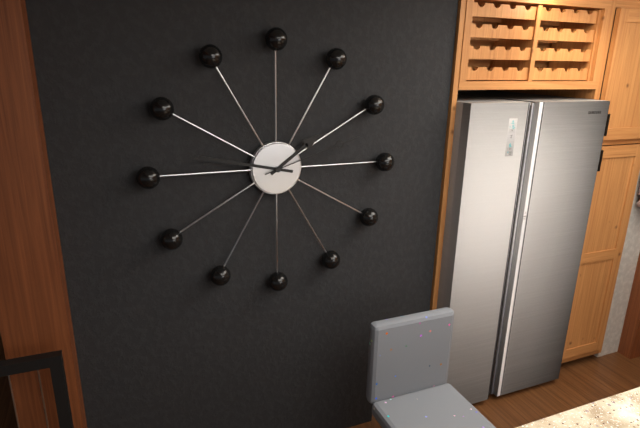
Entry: h=1 m=47 s=12
